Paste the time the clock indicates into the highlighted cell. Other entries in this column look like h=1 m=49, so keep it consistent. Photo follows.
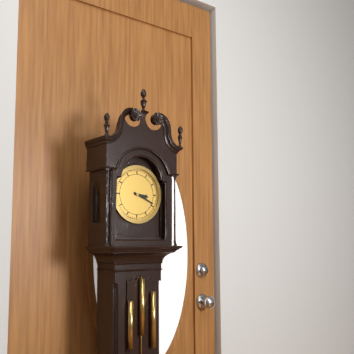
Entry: h=3 m=19
